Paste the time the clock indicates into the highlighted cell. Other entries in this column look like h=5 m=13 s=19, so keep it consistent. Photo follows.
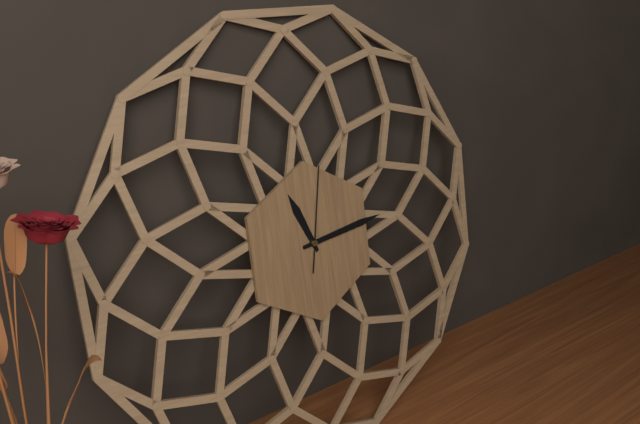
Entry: h=11 m=14 s=2
